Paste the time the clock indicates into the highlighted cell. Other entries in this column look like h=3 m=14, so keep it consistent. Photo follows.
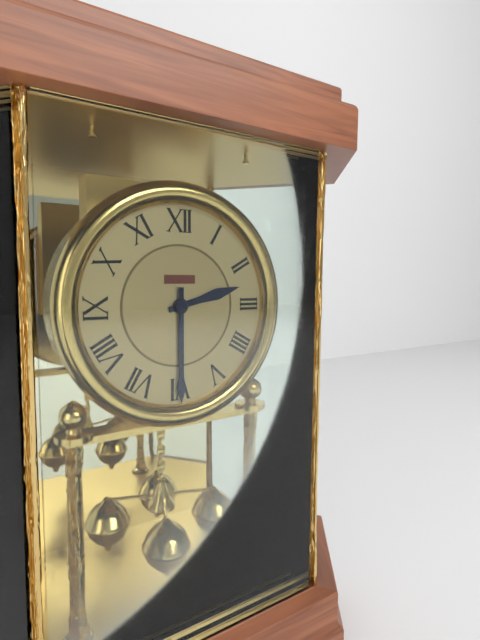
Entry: h=2 m=30
